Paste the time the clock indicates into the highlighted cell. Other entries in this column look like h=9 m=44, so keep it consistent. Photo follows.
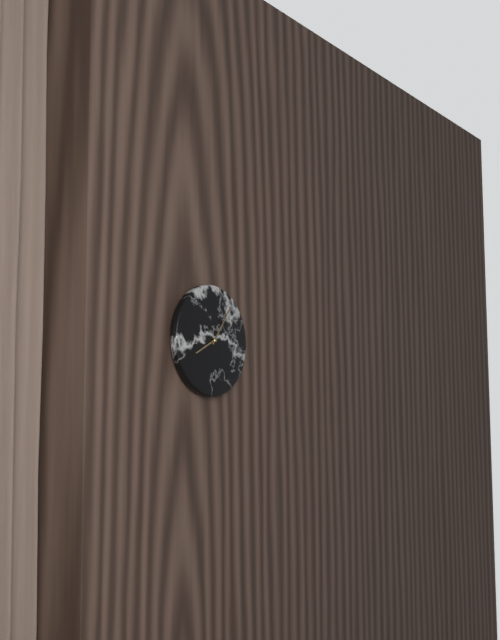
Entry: h=8 m=6
